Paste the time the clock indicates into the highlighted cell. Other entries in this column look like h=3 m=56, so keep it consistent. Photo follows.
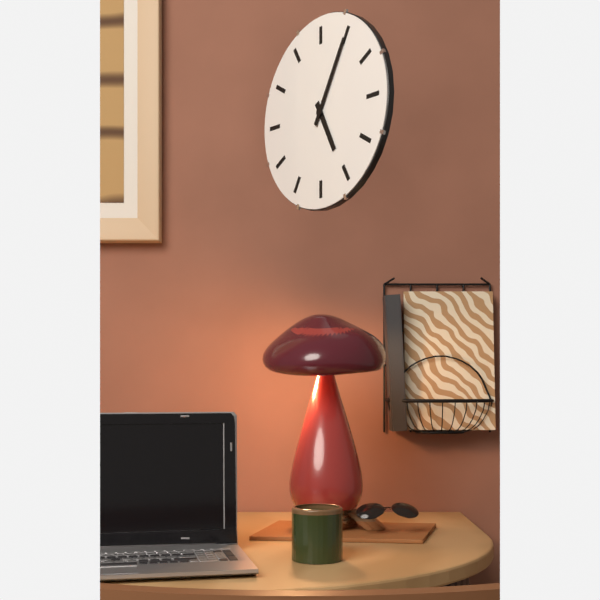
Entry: h=5 m=5
